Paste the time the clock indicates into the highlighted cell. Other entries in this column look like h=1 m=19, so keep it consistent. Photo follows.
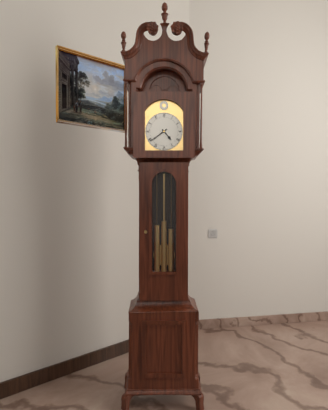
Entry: h=4 m=39
